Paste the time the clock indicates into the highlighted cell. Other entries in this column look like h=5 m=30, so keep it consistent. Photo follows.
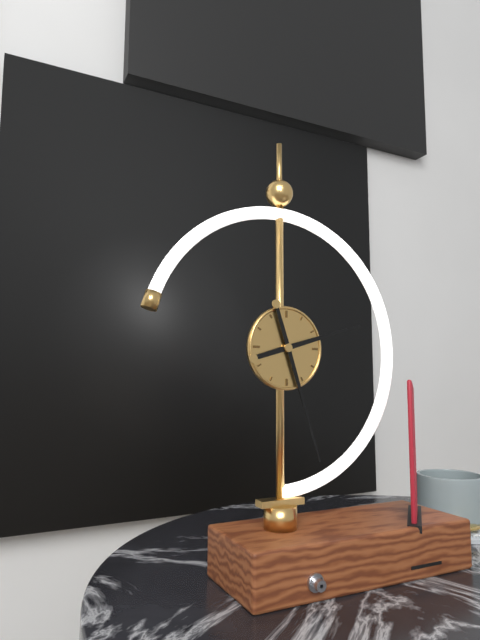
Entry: h=2 m=27
